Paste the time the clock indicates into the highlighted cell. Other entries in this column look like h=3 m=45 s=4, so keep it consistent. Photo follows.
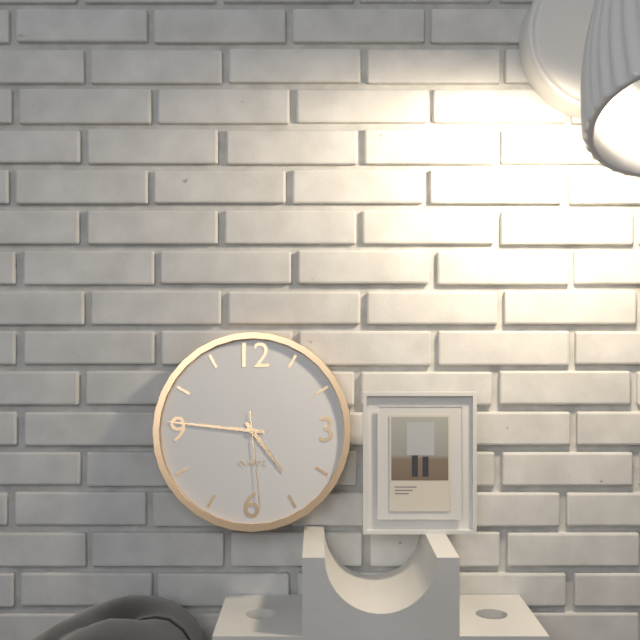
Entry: h=4 m=46 s=29
